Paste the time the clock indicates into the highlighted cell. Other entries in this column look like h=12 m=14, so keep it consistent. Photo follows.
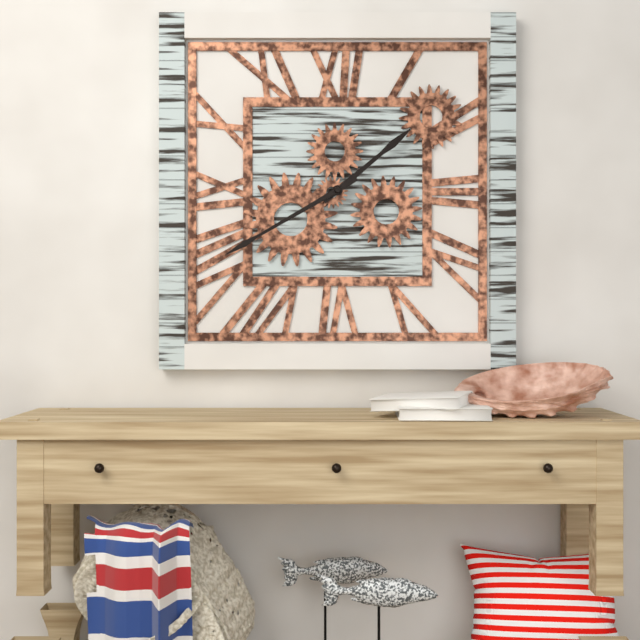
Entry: h=1 m=40
